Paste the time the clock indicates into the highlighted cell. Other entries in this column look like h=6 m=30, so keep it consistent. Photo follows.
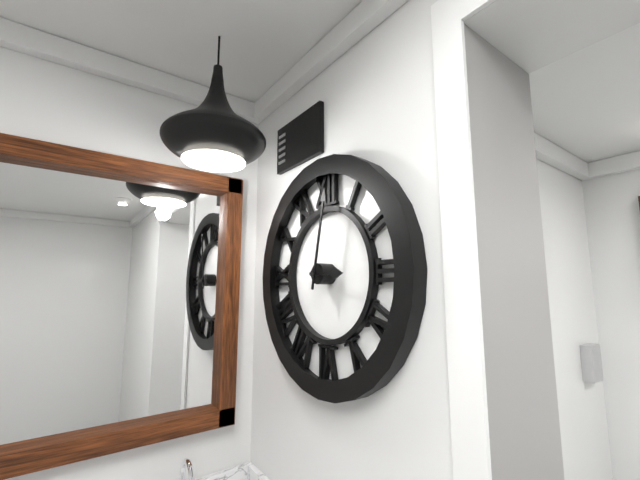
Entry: h=3 m=2
